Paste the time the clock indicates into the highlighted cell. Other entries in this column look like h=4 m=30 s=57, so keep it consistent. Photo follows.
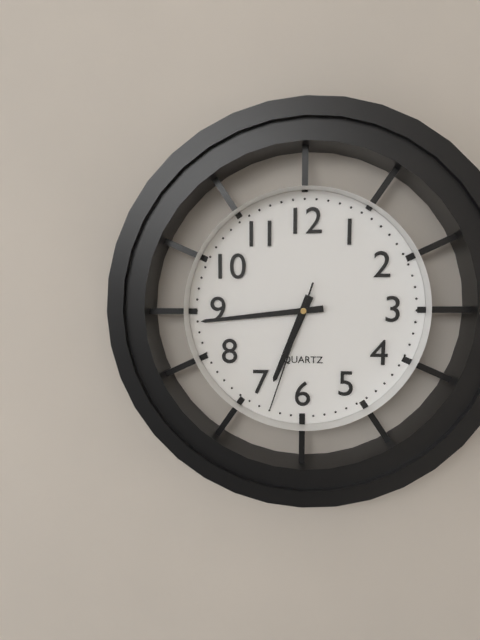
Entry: h=6 m=44 s=33
